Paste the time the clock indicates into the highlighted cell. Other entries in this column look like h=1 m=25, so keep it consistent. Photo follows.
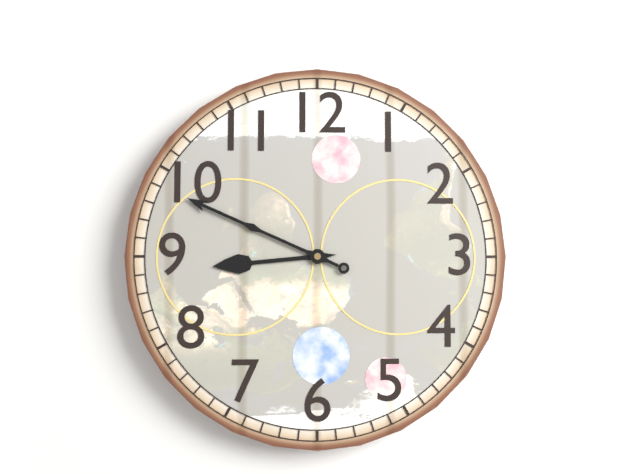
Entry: h=8 m=49
